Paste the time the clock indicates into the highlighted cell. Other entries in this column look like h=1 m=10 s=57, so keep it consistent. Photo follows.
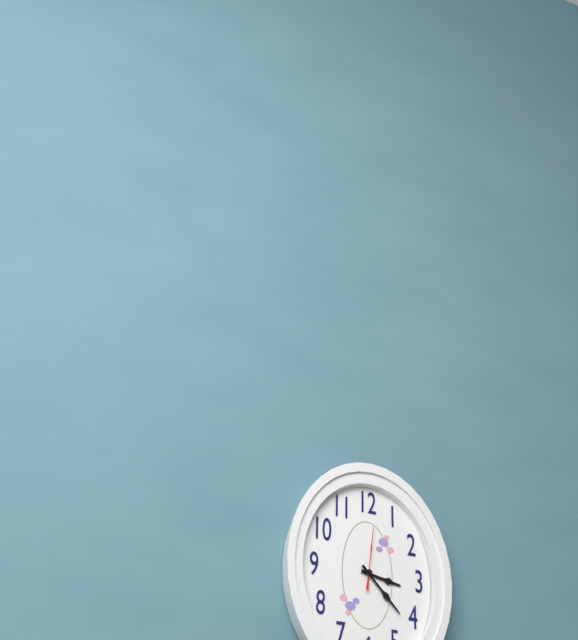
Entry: h=3 m=23 s=1
